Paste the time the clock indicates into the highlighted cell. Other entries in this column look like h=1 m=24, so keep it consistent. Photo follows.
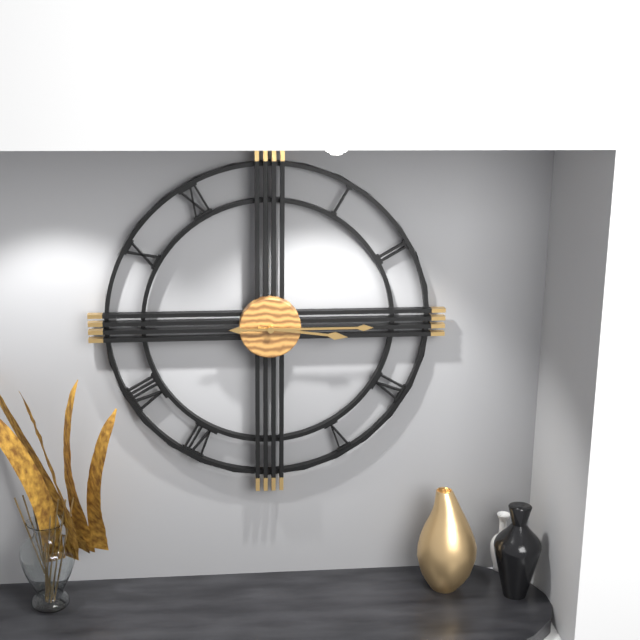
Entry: h=3 m=15
